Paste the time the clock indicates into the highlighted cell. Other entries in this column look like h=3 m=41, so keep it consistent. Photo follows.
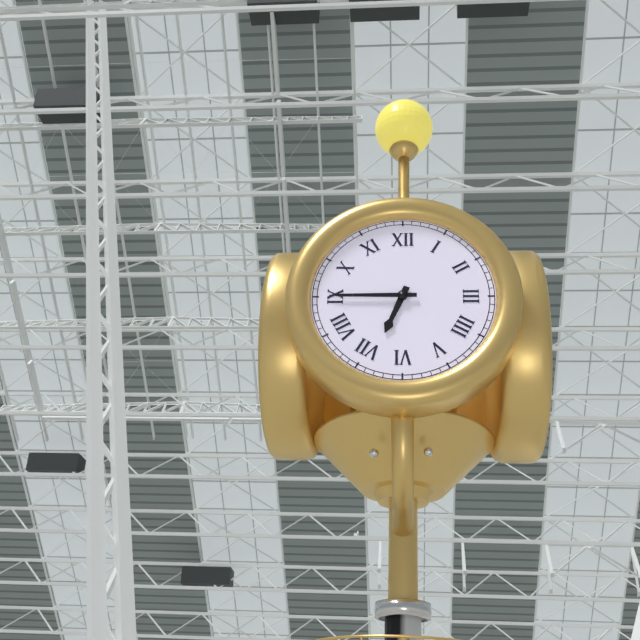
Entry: h=6 m=45
